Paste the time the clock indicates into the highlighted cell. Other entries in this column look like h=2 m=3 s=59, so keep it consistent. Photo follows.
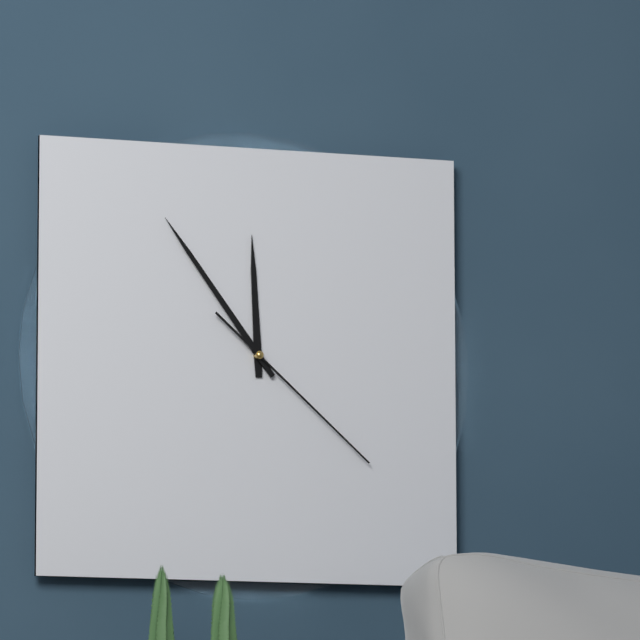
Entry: h=11 m=54 s=22
